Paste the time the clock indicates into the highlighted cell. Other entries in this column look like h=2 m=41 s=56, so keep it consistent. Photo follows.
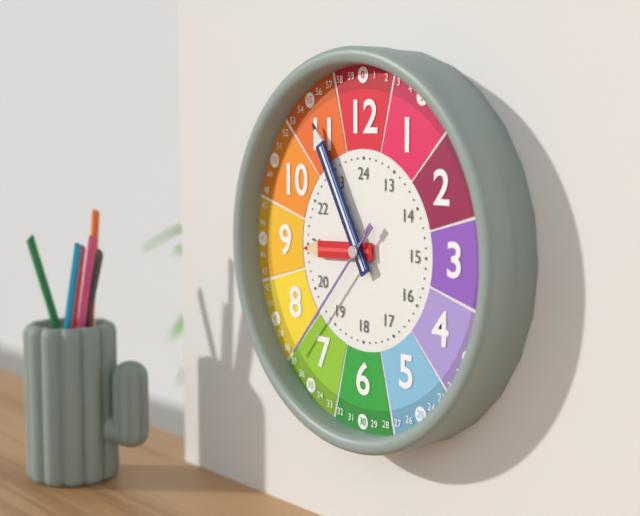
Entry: h=8 m=55 s=37
